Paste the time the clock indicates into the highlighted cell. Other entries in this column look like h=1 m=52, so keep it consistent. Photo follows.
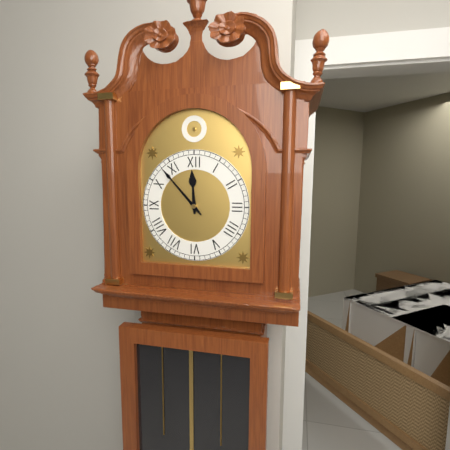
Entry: h=11 m=53
